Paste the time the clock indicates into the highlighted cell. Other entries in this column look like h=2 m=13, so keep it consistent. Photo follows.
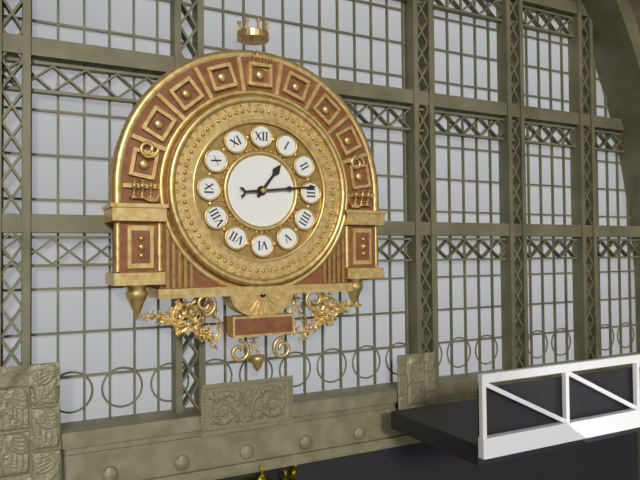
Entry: h=1 m=14
